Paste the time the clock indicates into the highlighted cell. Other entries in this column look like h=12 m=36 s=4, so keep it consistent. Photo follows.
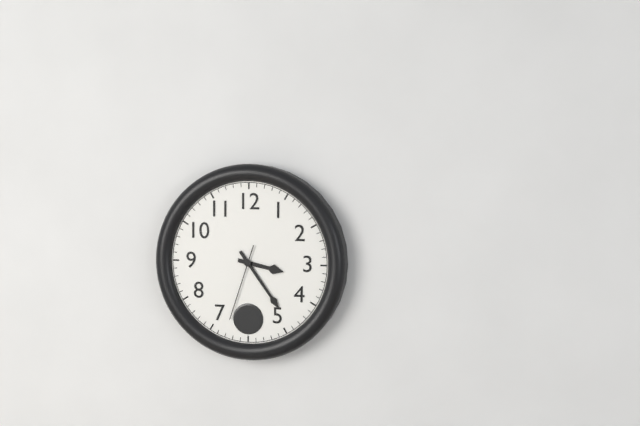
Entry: h=3 m=24 s=33
